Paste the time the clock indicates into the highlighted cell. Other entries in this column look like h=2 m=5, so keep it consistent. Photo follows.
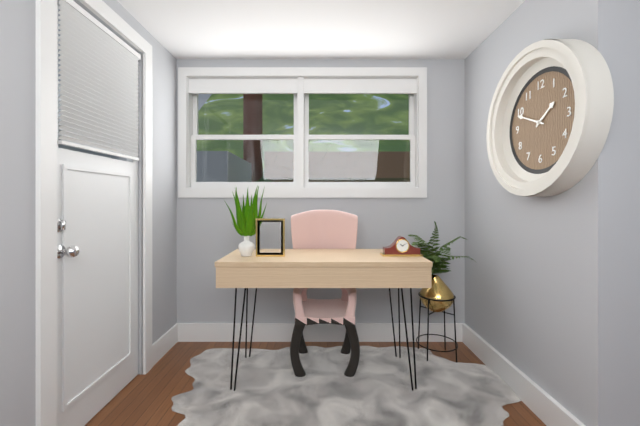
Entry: h=1 m=49
